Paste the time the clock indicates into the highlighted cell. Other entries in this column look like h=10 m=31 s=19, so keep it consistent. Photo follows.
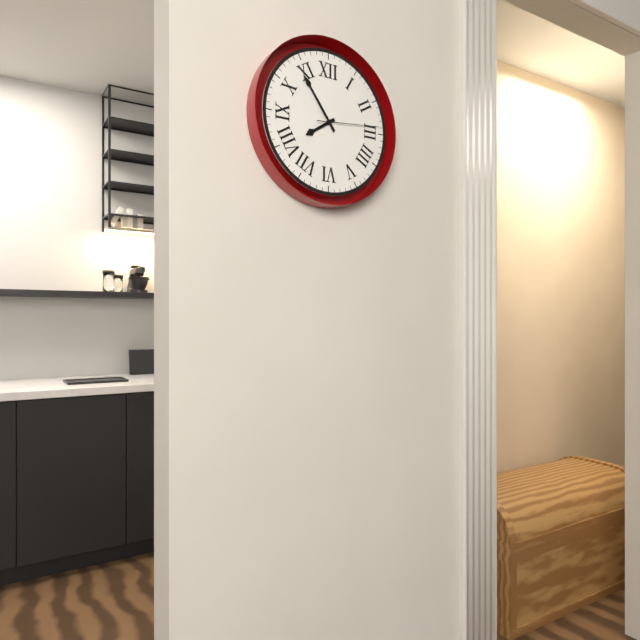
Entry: h=7 m=54 s=14
